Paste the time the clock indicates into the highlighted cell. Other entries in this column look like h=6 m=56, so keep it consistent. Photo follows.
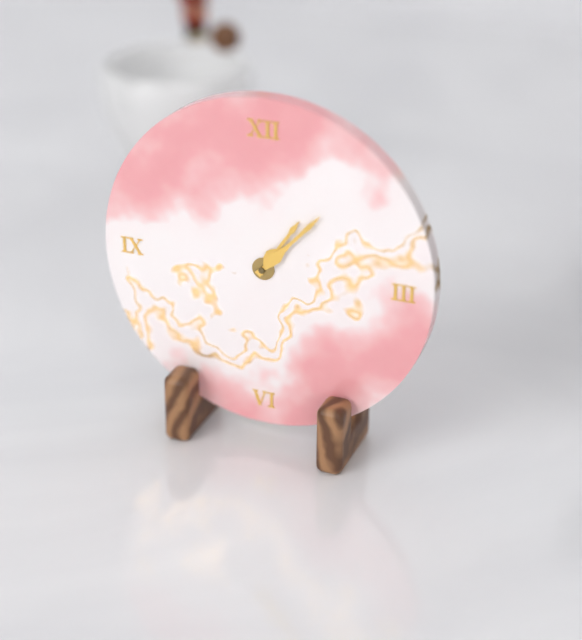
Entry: h=1 m=7
